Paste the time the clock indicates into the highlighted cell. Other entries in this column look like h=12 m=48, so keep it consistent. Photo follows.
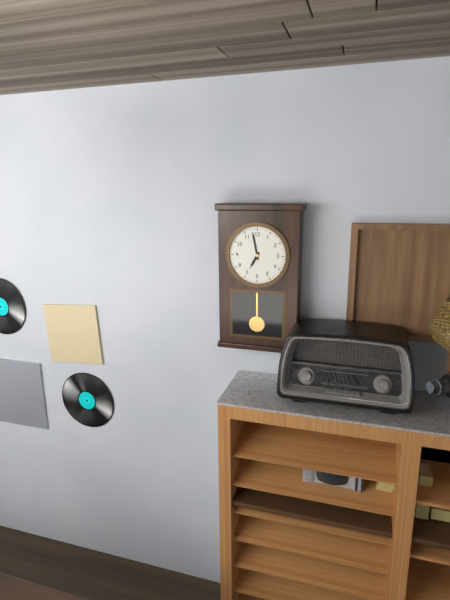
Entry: h=6 m=58
